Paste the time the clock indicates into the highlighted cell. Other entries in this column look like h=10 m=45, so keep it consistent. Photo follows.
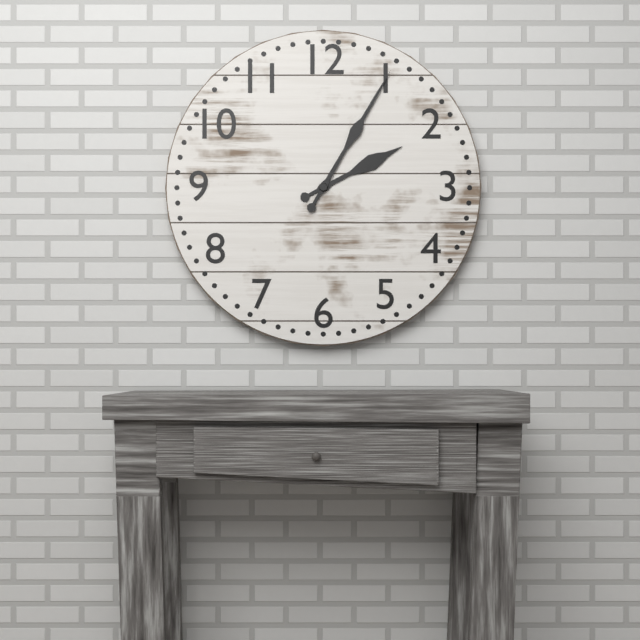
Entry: h=2 m=5
